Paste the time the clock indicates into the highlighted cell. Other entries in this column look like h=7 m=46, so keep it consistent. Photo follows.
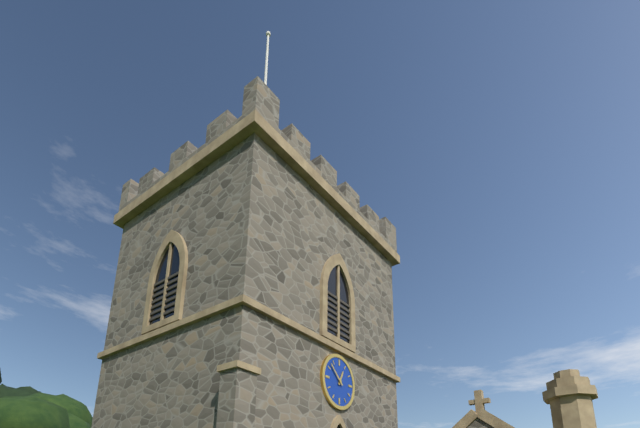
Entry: h=12 m=52
